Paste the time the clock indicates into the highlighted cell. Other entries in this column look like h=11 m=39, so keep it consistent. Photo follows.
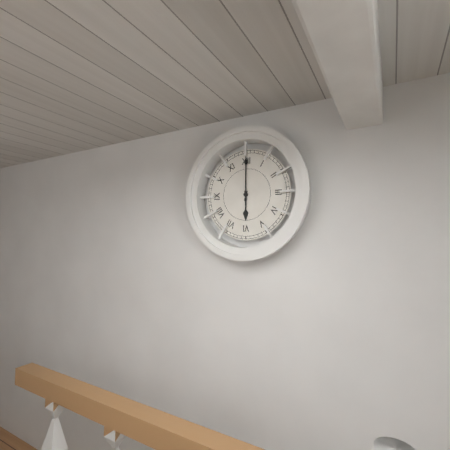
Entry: h=6 m=0
